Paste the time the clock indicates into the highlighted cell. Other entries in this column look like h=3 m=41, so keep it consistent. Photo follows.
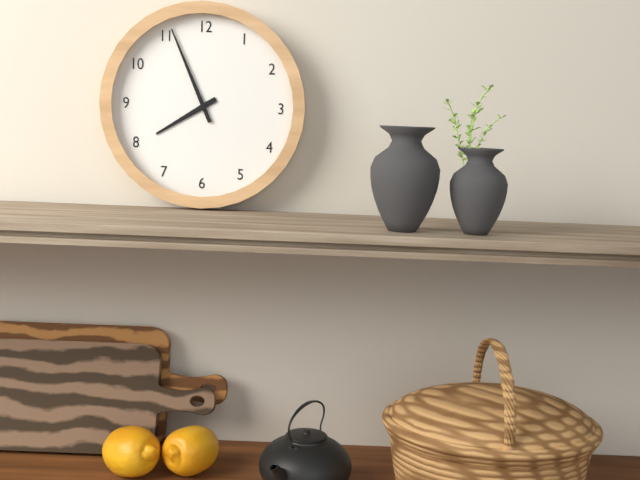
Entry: h=7 m=56
